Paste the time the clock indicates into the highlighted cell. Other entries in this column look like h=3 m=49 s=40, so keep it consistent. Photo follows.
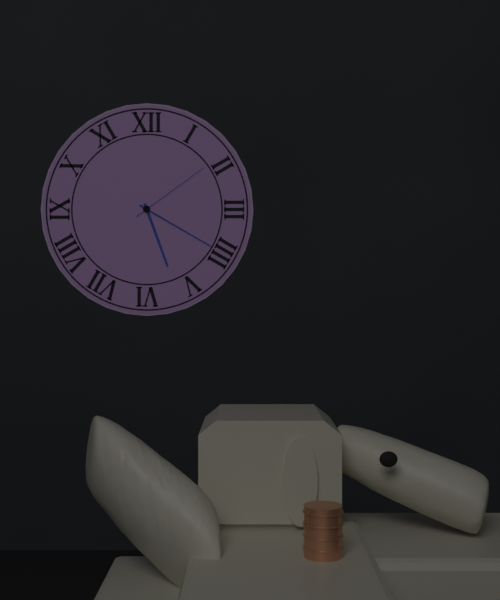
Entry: h=5 m=20 s=9
